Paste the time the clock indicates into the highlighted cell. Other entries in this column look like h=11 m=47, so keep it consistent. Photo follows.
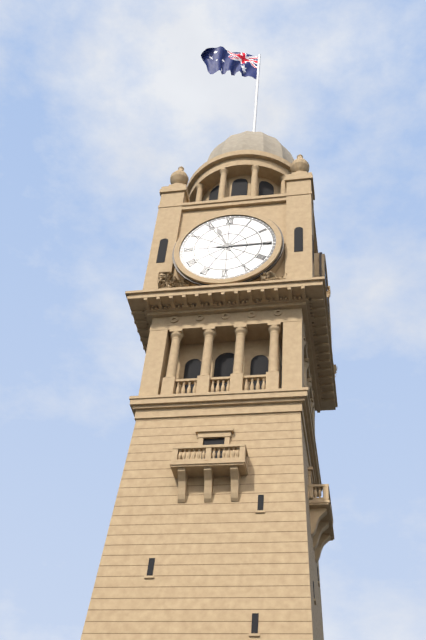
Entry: h=11 m=15
